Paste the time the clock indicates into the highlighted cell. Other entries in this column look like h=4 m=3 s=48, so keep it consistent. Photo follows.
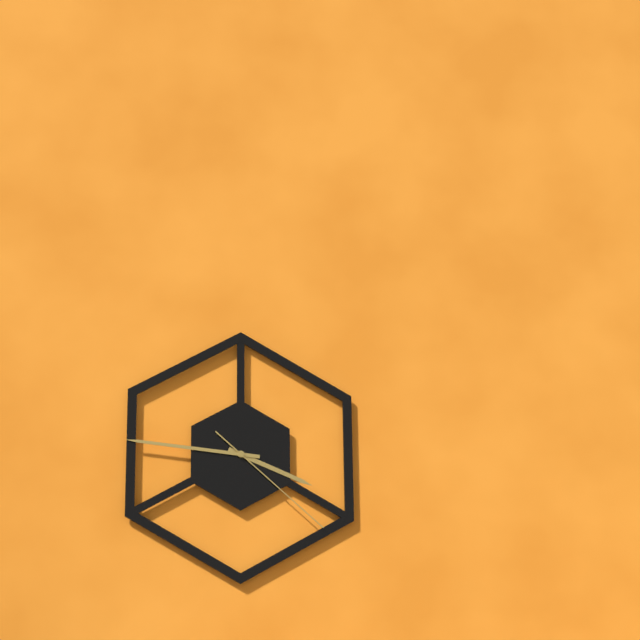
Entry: h=3 m=46 s=22
